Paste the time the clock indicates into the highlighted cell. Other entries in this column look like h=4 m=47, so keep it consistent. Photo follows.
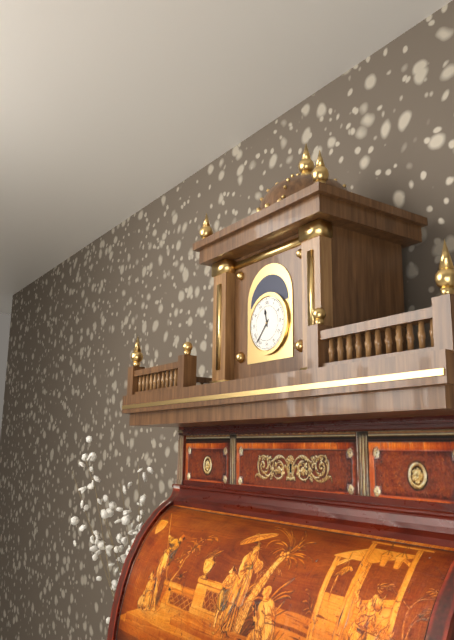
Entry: h=11 m=37
